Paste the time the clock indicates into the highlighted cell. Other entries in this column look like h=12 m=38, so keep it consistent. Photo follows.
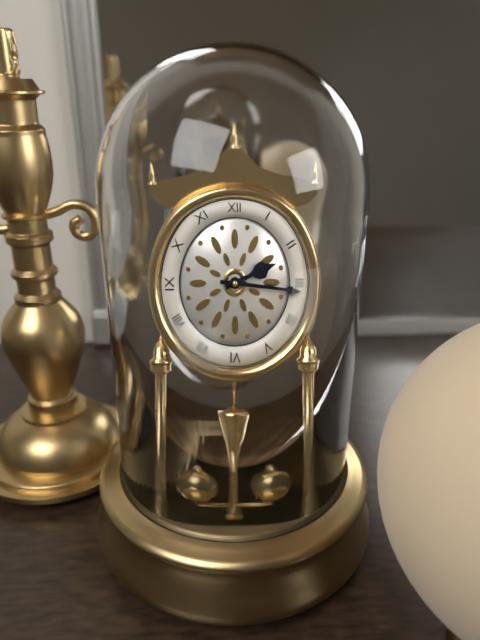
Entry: h=2 m=16
